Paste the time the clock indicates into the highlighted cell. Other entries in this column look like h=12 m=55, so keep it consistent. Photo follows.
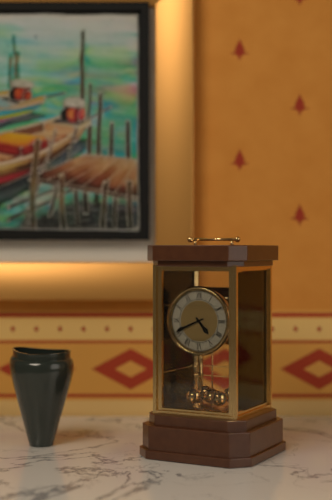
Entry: h=4 m=41
